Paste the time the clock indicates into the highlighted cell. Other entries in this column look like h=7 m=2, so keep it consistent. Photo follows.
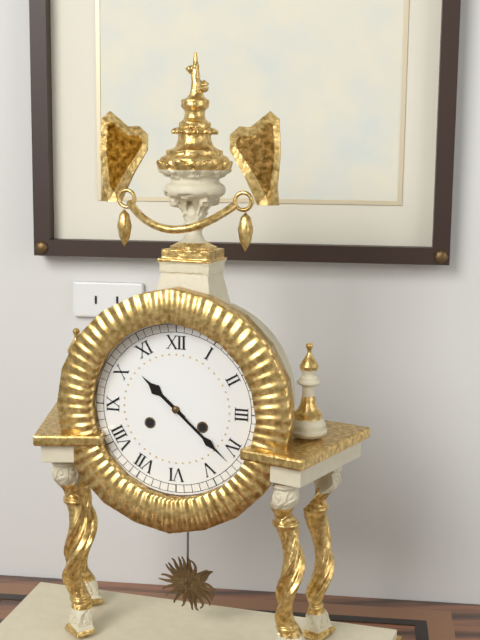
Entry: h=10 m=22
